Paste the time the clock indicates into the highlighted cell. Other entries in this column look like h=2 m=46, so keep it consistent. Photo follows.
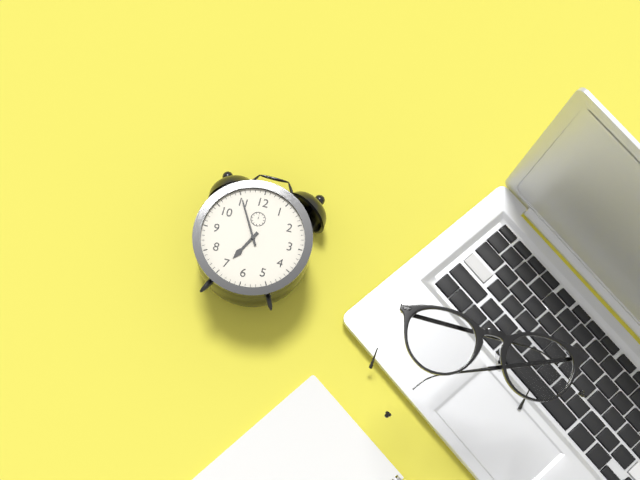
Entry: h=6 m=55
